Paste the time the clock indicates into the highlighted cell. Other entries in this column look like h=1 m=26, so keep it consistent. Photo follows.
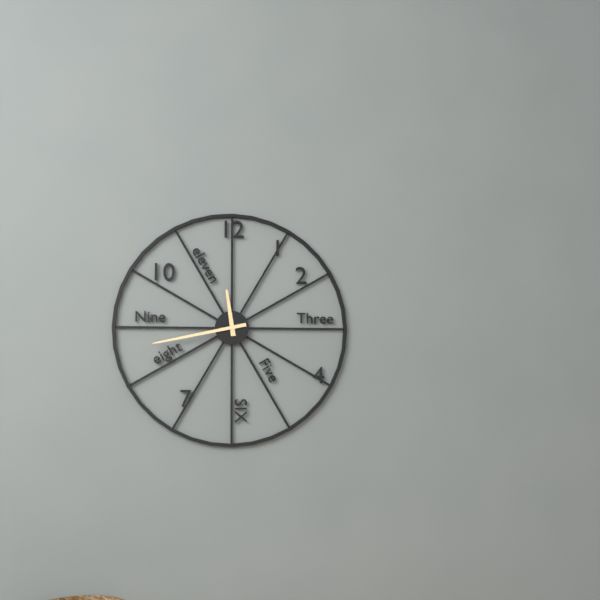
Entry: h=11 m=43
